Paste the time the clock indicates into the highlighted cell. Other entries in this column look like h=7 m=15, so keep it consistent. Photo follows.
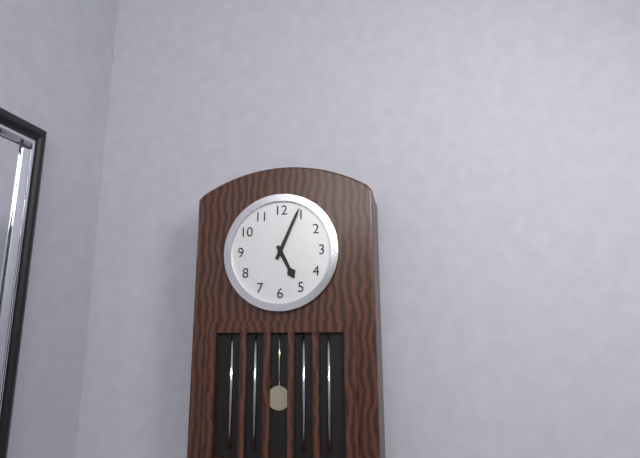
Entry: h=5 m=4
